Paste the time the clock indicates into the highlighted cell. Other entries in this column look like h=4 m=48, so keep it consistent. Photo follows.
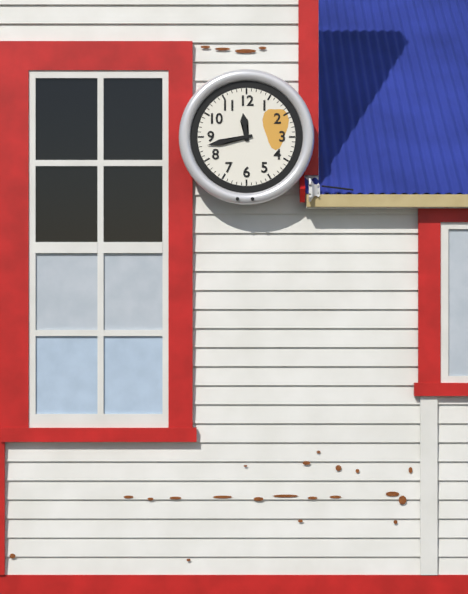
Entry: h=11 m=43
